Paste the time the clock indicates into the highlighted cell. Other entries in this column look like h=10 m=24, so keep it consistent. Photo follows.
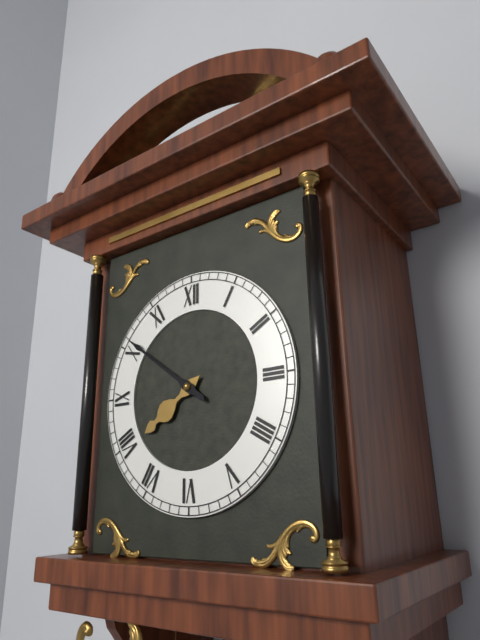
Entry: h=7 m=51
